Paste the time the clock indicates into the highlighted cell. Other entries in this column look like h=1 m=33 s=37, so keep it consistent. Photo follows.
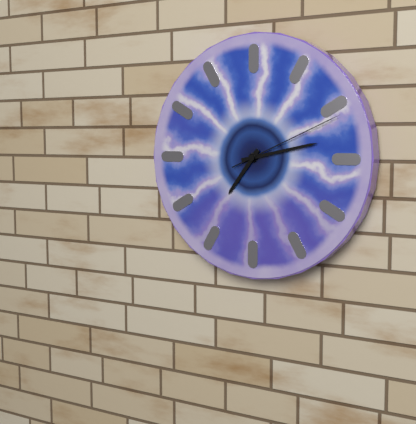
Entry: h=7 m=13 s=11
